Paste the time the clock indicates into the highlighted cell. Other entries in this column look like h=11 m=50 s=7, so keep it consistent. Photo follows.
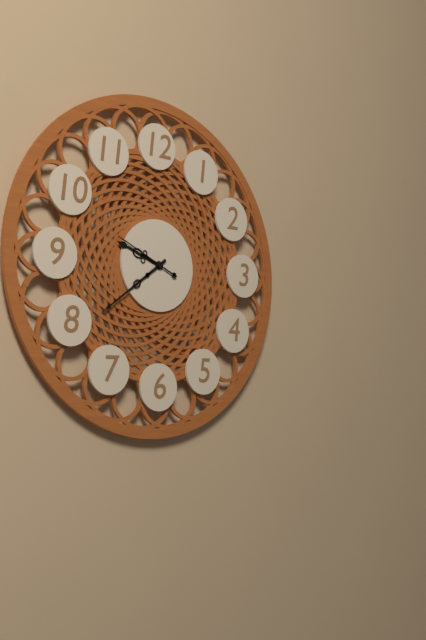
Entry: h=9 m=39 s=49
